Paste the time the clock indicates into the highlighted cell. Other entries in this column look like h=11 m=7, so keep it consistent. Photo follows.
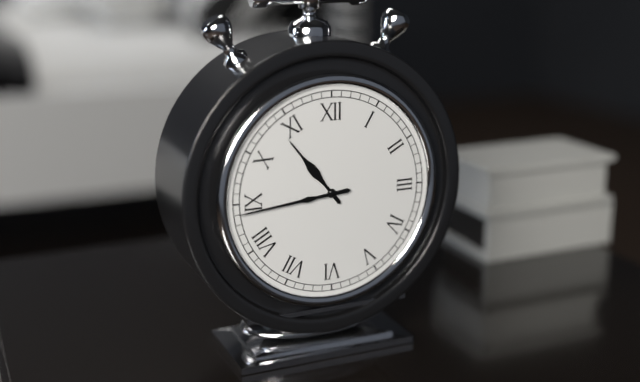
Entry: h=10 m=44
